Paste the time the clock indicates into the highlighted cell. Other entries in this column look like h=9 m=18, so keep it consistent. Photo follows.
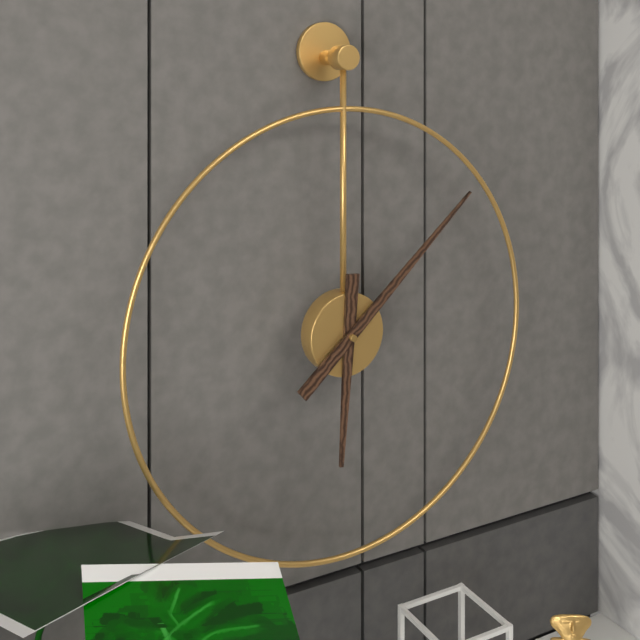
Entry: h=6 m=8
